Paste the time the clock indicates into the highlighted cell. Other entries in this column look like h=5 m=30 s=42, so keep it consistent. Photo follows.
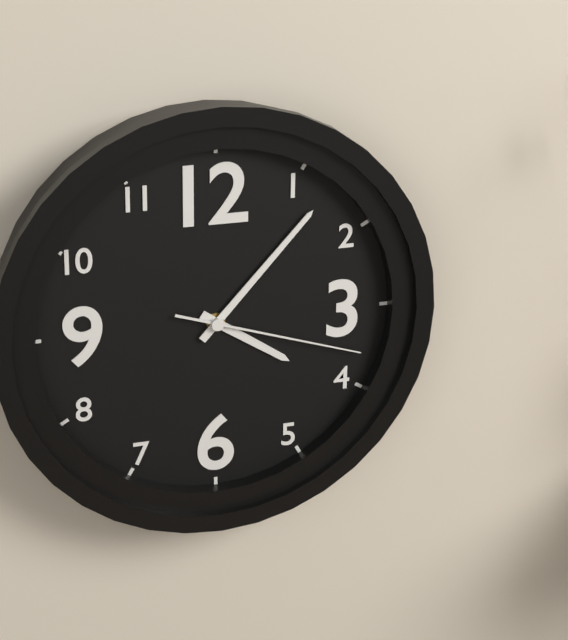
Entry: h=4 m=7 s=18
